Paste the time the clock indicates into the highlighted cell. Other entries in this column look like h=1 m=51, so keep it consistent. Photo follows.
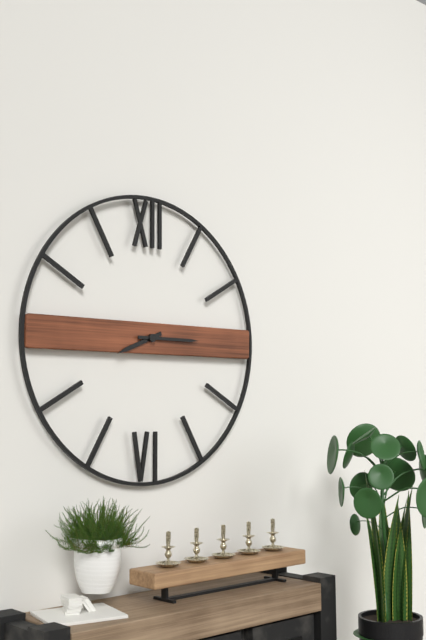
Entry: h=8 m=15
